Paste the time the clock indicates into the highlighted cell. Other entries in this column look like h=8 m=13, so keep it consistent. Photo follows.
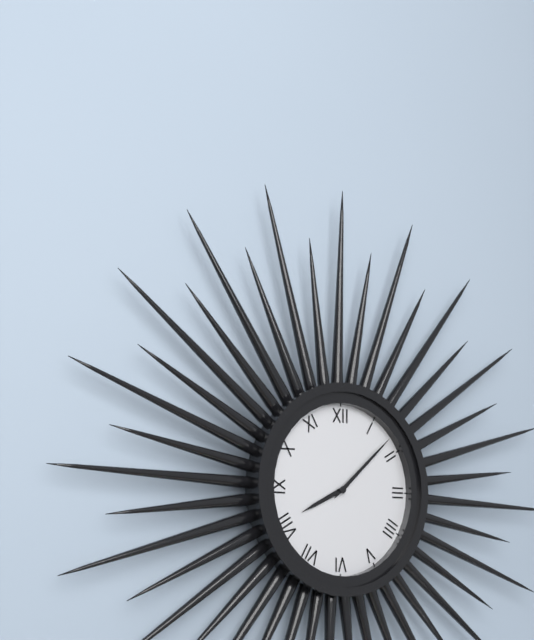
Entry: h=8 m=8
